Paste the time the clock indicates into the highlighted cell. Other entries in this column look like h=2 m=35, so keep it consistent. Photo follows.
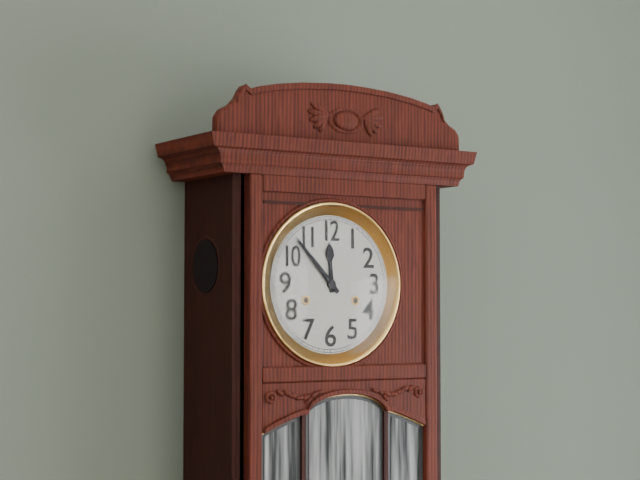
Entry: h=11 m=53
